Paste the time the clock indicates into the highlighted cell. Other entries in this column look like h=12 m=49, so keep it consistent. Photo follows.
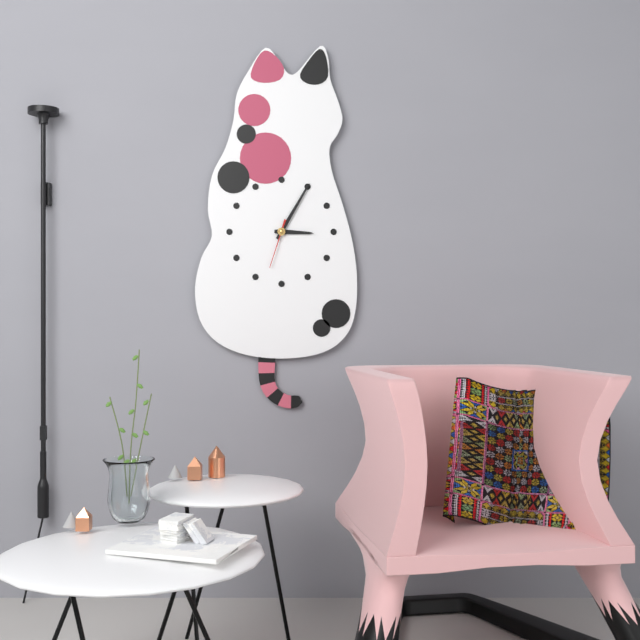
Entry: h=3 m=5
